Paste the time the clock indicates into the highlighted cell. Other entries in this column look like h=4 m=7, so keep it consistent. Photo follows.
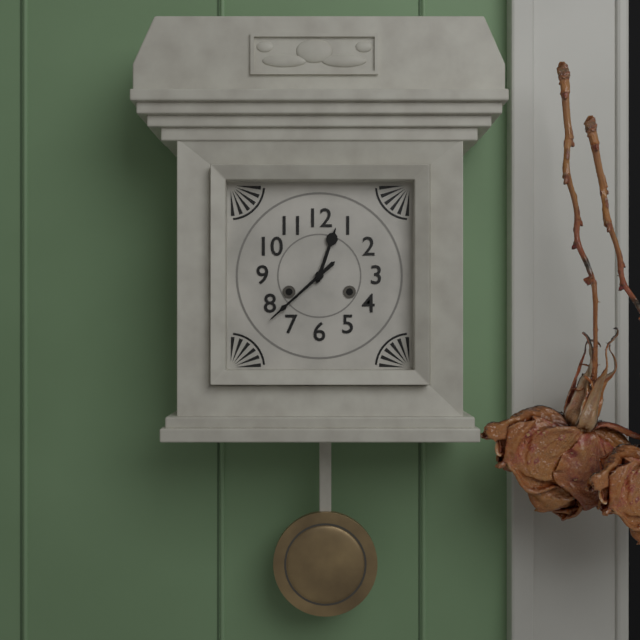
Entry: h=12 m=38
